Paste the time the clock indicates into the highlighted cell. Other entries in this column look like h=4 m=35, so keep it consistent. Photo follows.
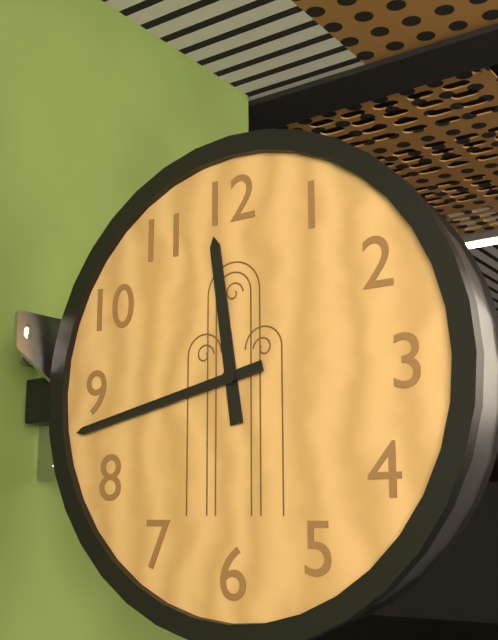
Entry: h=11 m=43
